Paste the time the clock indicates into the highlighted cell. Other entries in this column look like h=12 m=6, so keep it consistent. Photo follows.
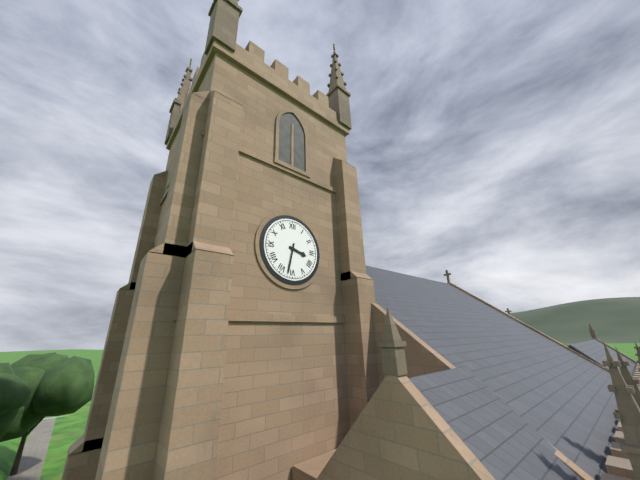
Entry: h=3 m=32
